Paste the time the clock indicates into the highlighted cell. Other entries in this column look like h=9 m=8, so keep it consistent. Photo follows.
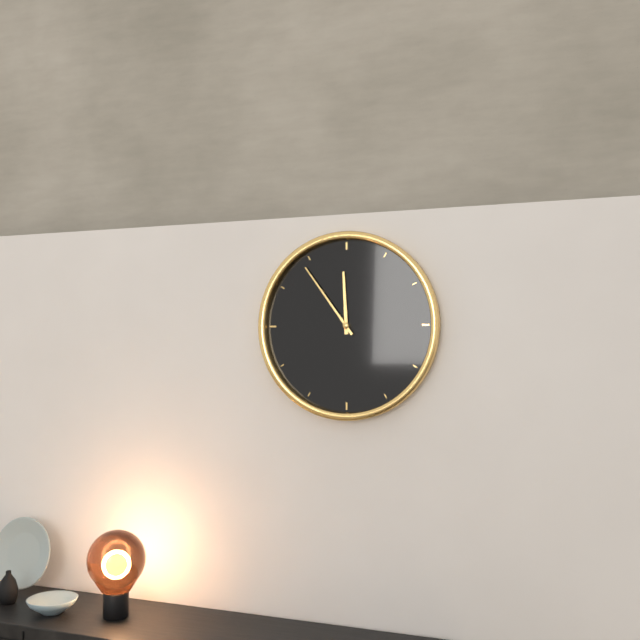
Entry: h=11 m=54
